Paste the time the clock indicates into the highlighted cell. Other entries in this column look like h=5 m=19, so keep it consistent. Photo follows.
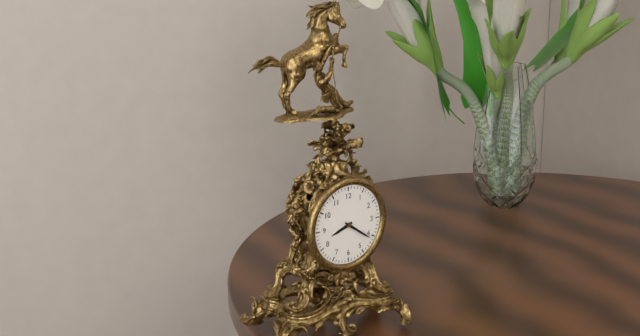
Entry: h=8 m=21
